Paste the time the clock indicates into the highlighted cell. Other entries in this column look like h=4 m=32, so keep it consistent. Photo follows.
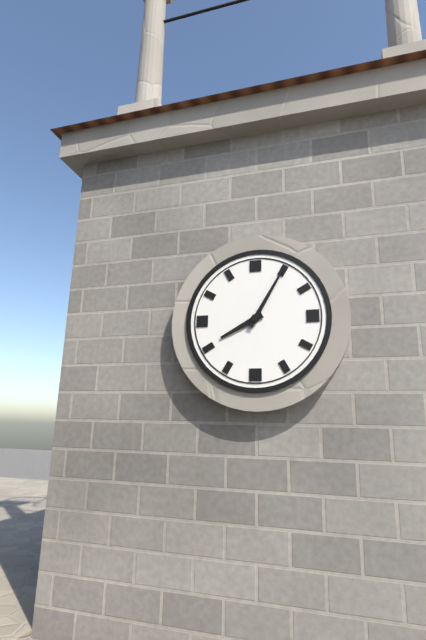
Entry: h=8 m=5
